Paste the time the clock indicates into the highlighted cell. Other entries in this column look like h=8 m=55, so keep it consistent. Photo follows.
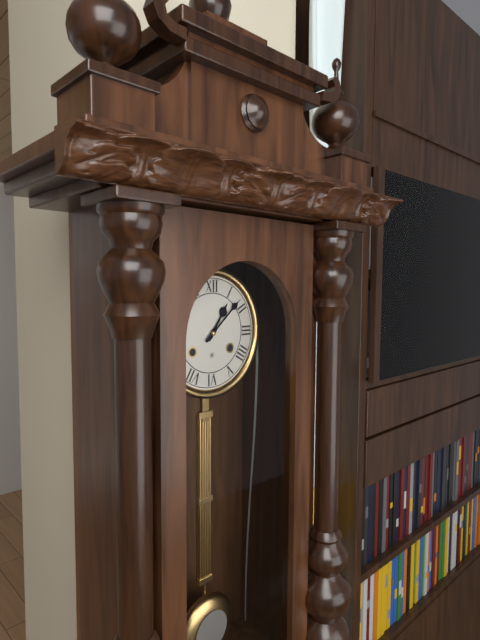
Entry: h=1 m=8
